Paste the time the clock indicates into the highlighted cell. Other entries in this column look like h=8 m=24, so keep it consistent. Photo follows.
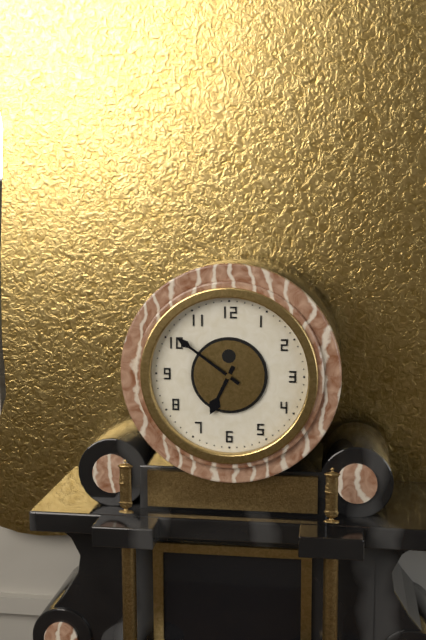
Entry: h=6 m=51
